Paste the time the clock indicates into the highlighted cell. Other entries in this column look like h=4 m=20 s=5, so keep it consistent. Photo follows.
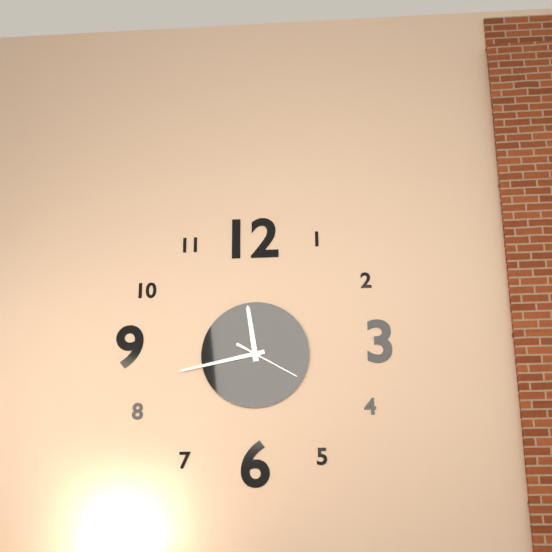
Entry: h=11 m=43 s=20
